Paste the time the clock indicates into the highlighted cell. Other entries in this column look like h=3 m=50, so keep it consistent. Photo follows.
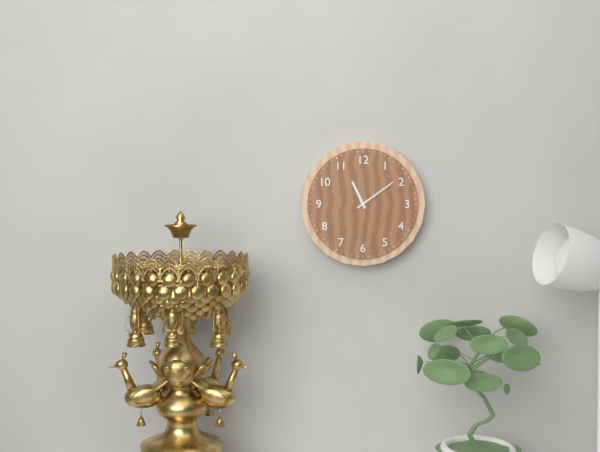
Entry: h=11 m=9
